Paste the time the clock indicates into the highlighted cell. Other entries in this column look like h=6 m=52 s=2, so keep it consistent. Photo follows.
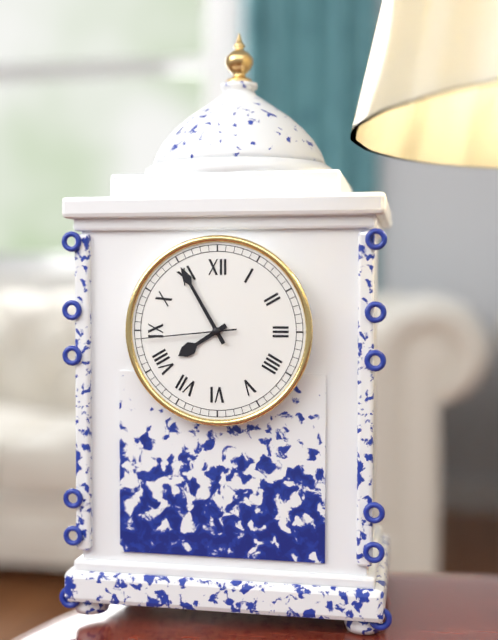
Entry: h=7 m=55 s=44
